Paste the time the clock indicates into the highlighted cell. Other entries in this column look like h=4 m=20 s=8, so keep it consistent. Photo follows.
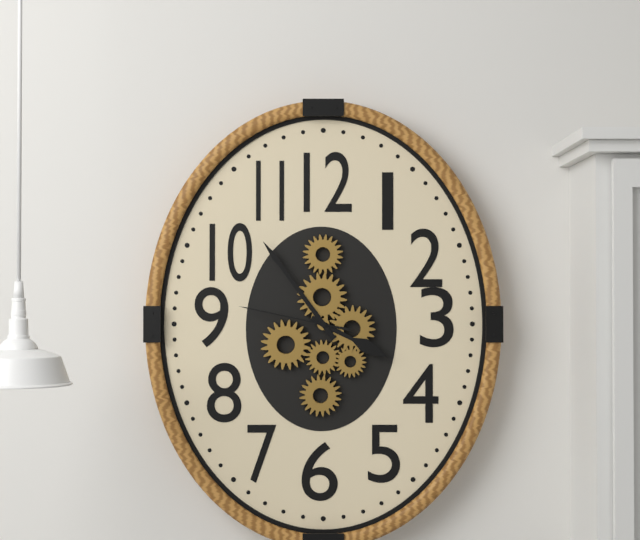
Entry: h=3 m=54 s=47
